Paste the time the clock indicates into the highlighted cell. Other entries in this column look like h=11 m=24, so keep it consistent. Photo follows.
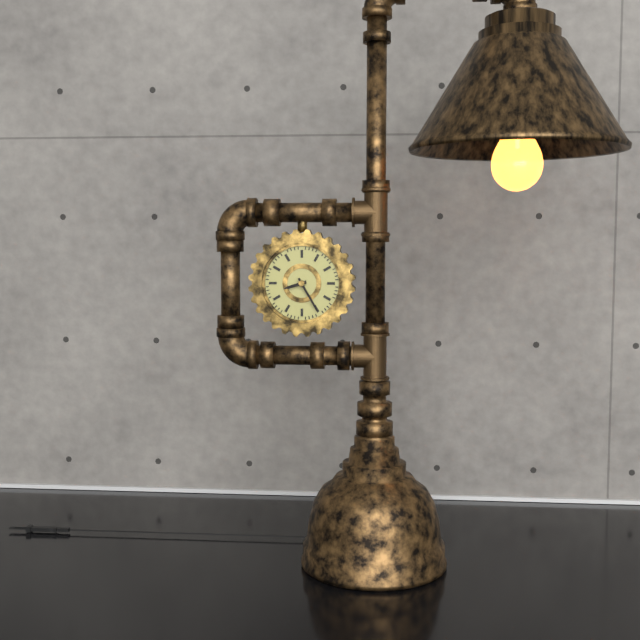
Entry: h=8 m=25
